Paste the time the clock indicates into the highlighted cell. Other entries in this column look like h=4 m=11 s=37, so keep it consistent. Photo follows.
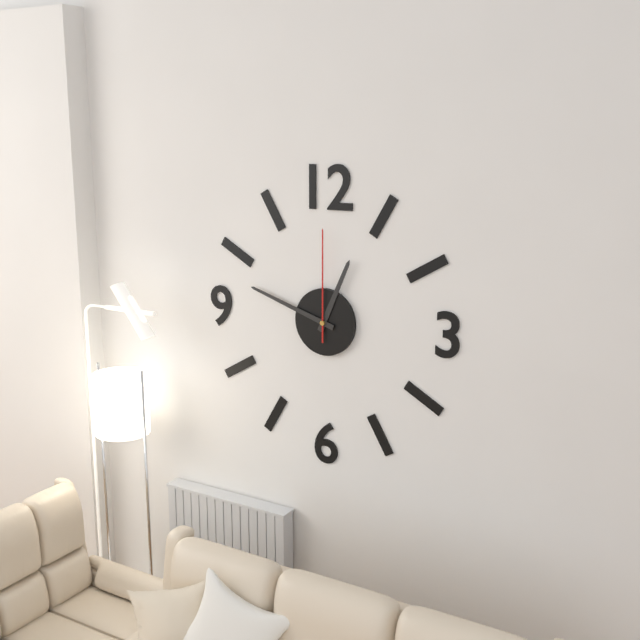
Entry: h=12 m=48 s=0
